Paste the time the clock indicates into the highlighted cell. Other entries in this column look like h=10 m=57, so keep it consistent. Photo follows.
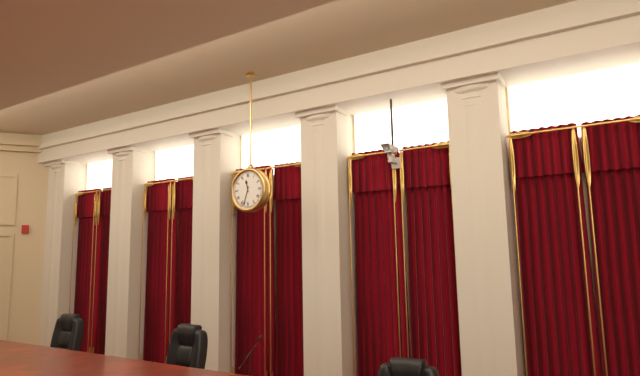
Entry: h=11 m=33
